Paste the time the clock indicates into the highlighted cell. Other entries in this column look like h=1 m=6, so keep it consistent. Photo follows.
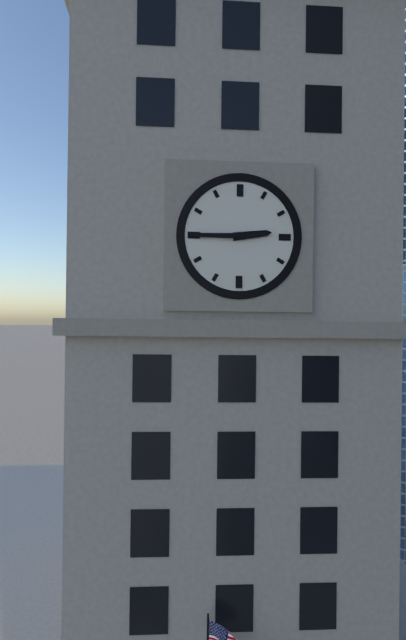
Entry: h=2 m=45
